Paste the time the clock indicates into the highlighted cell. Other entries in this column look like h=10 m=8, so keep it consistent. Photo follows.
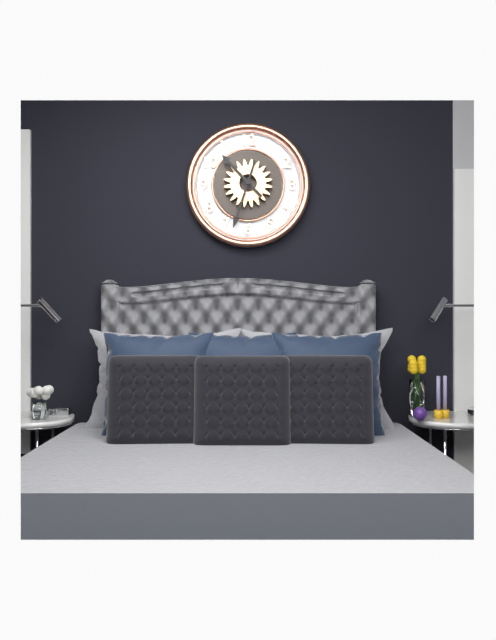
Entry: h=10 m=33
